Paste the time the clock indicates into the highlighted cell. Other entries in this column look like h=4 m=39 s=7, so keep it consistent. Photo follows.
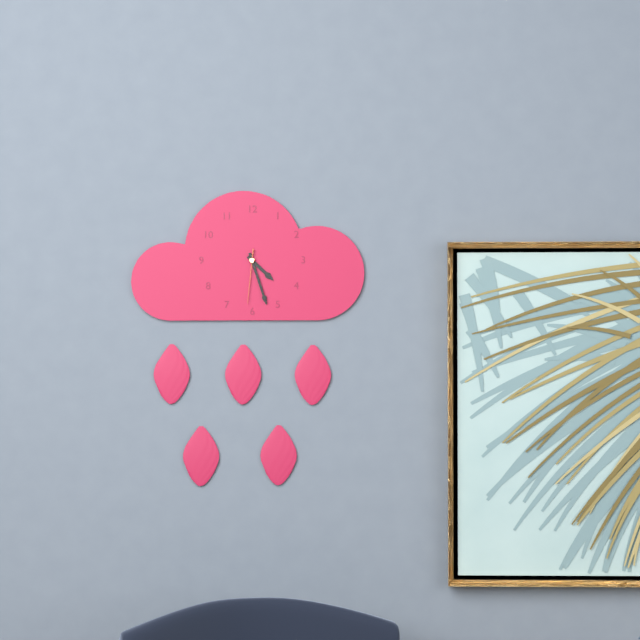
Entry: h=4 m=27 s=31
